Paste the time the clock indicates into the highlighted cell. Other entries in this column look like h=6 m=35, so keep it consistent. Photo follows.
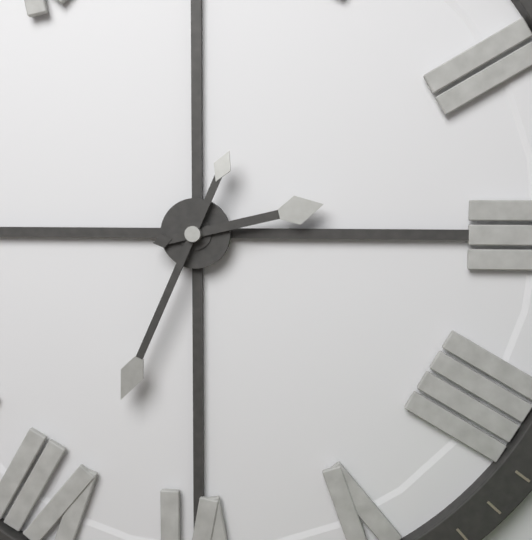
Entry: h=2 m=34
